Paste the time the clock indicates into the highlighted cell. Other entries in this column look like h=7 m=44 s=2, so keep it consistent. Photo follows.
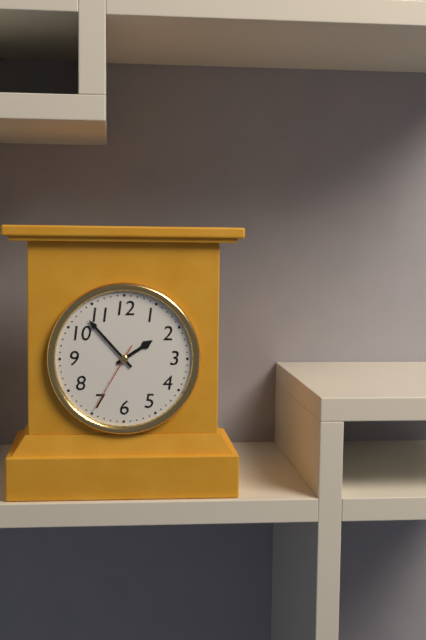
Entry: h=1 m=53 s=35
